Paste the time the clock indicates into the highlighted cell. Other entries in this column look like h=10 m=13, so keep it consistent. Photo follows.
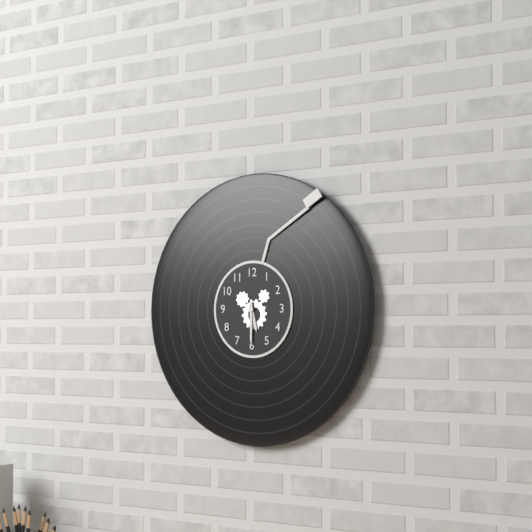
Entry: h=5 m=30
